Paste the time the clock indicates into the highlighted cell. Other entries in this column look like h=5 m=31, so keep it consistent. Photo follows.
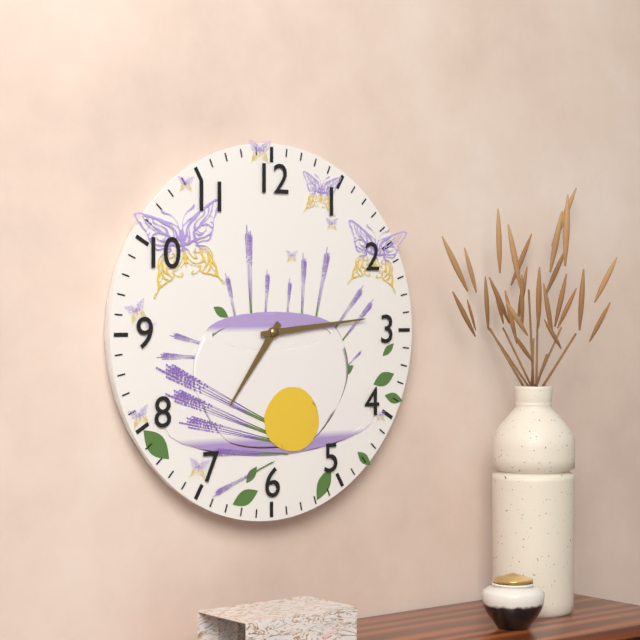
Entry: h=7 m=14
